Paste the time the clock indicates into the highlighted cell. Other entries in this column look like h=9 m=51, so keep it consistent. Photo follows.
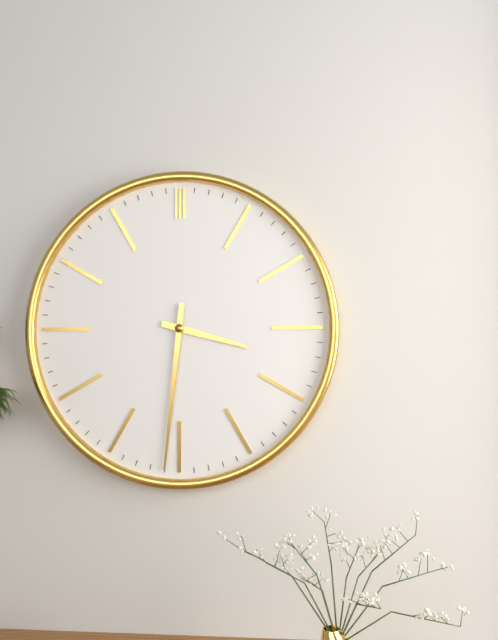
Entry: h=3 m=31
